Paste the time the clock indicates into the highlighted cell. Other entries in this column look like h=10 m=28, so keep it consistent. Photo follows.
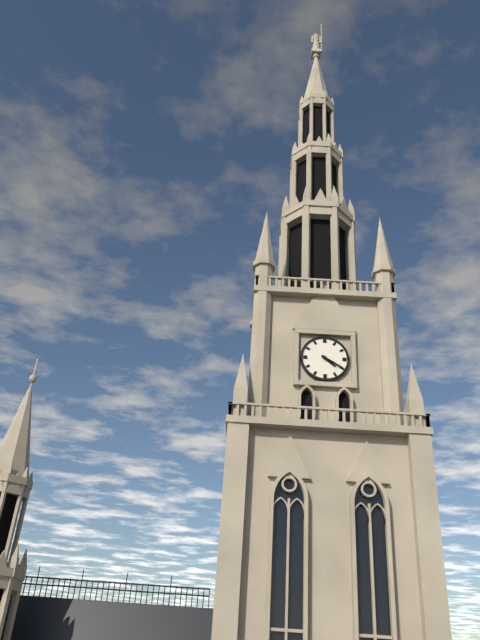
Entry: h=4 m=20
